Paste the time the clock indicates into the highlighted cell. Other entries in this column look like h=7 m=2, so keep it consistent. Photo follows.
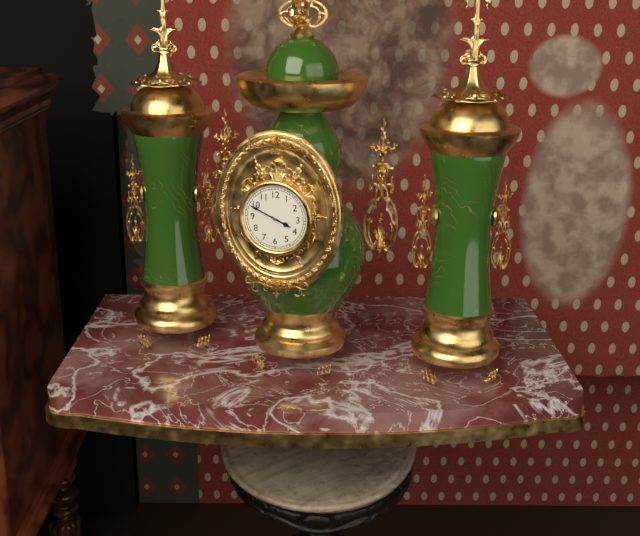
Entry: h=3 m=49
